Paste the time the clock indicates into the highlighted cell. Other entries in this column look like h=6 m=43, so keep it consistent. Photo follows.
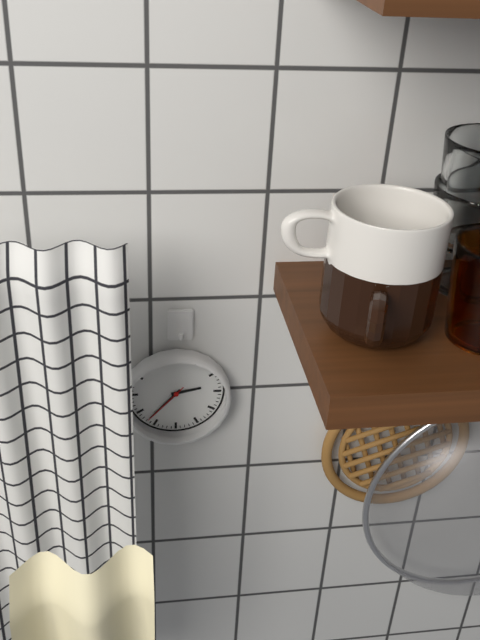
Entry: h=2 m=37
